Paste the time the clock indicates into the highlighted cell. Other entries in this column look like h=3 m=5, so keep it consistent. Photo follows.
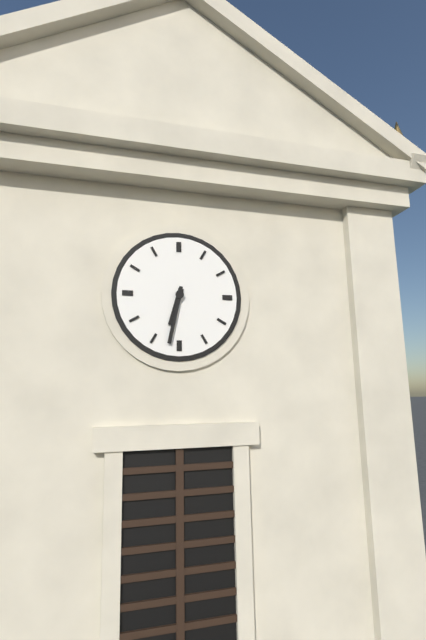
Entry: h=6 m=32
